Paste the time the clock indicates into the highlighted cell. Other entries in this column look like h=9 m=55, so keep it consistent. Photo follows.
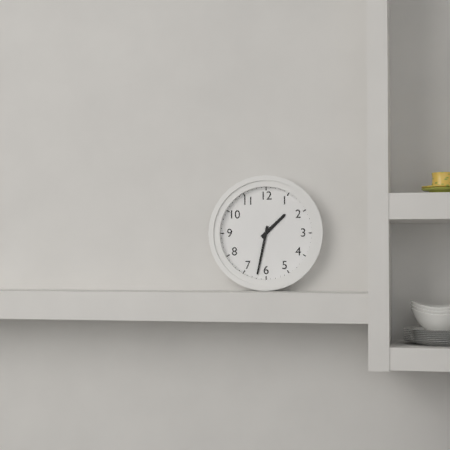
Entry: h=1 m=32
